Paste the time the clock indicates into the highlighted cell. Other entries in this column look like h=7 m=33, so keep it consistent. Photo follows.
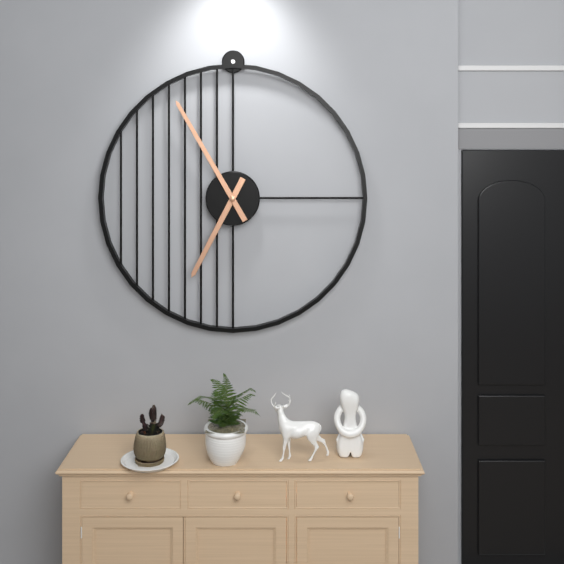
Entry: h=6 m=55
